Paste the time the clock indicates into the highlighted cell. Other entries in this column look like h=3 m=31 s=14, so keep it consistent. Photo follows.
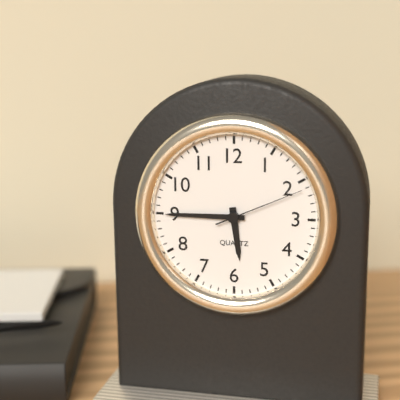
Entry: h=5 m=45 s=11
